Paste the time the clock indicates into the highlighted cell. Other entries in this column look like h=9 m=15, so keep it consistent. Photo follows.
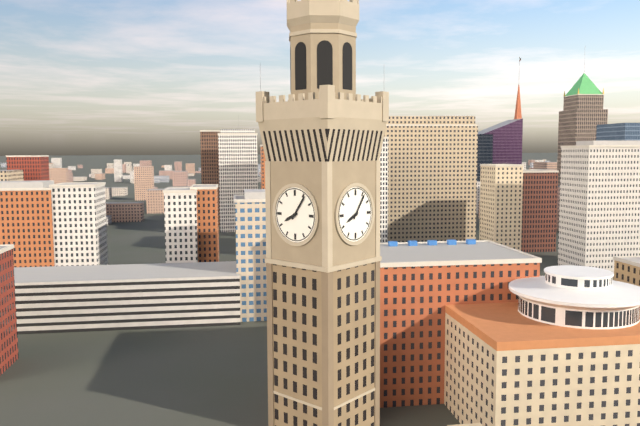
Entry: h=8 m=6
